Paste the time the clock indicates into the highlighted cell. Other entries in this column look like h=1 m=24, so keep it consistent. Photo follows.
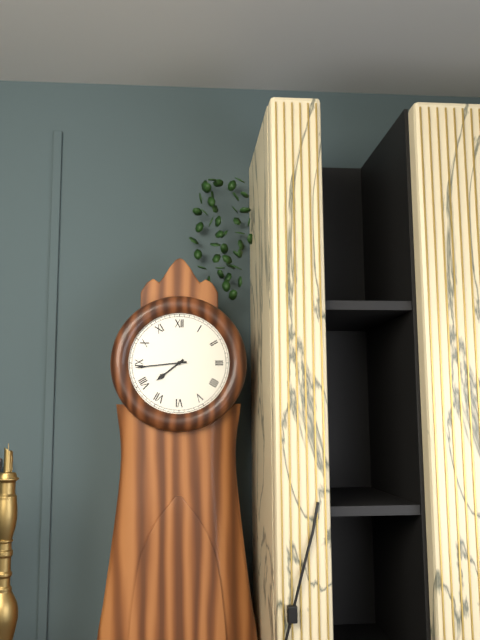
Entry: h=7 m=44
